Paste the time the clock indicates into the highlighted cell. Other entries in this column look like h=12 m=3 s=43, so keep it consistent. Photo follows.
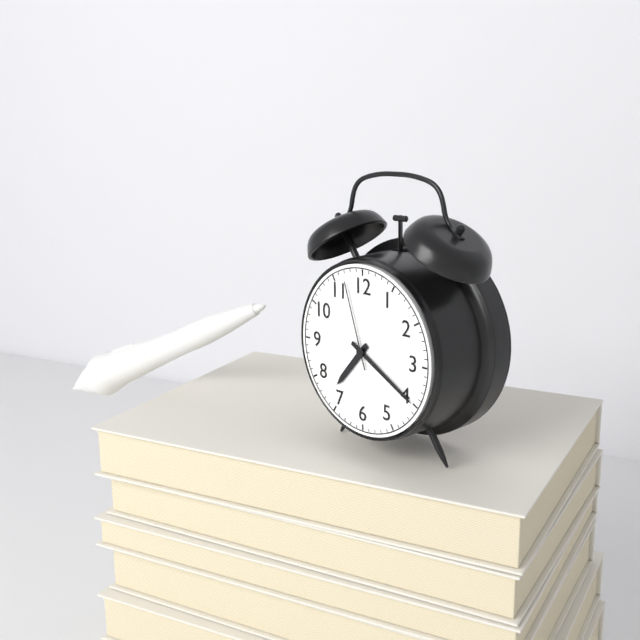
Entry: h=7 m=20 s=57
